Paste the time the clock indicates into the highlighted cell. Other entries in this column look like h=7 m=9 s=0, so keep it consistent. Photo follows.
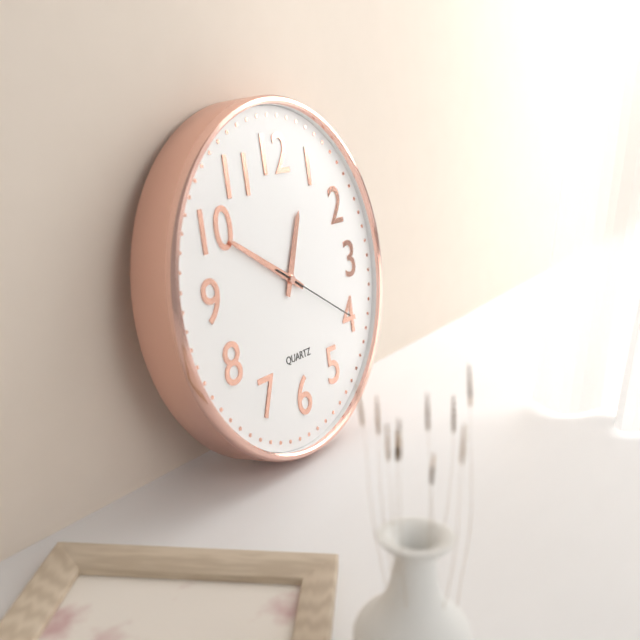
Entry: h=12 m=50 s=20
